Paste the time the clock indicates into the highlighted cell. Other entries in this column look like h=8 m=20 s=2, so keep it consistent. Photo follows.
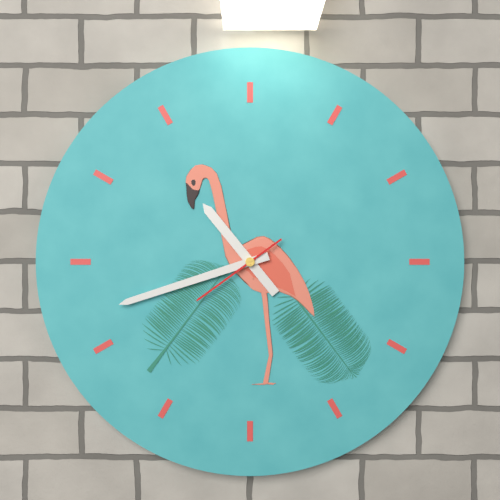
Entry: h=10 m=42 s=39
